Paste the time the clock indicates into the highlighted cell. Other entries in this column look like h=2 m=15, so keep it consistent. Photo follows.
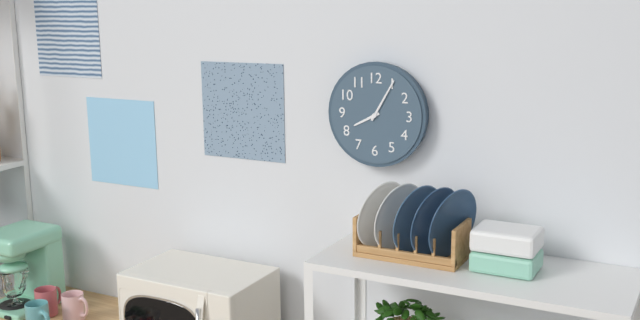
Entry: h=8 m=5
